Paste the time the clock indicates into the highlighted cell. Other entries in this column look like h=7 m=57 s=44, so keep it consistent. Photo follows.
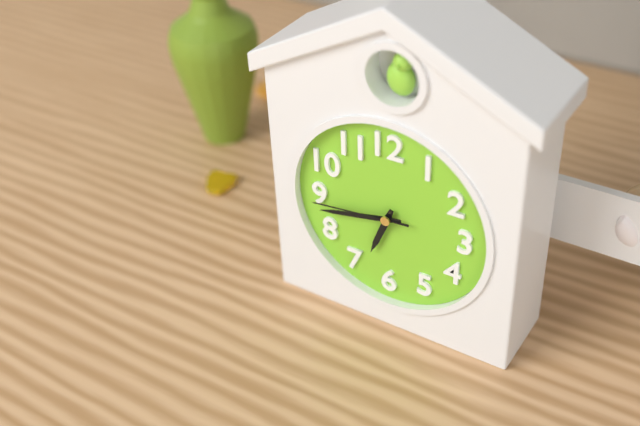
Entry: h=6 m=43 s=44
